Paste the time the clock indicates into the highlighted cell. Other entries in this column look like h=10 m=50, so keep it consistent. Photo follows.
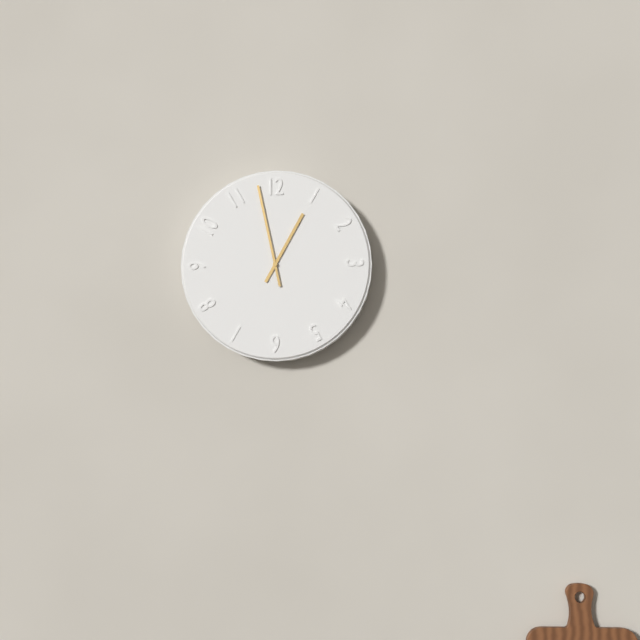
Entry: h=12 m=58
